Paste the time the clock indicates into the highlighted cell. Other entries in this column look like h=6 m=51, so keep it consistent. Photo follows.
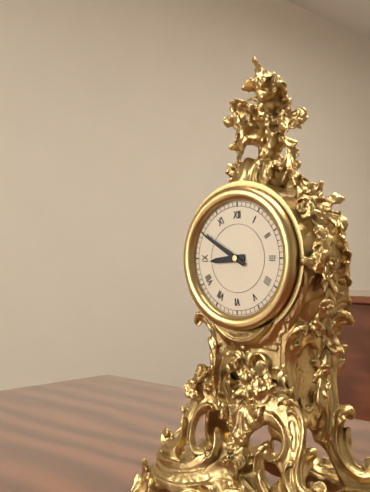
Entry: h=8 m=50
